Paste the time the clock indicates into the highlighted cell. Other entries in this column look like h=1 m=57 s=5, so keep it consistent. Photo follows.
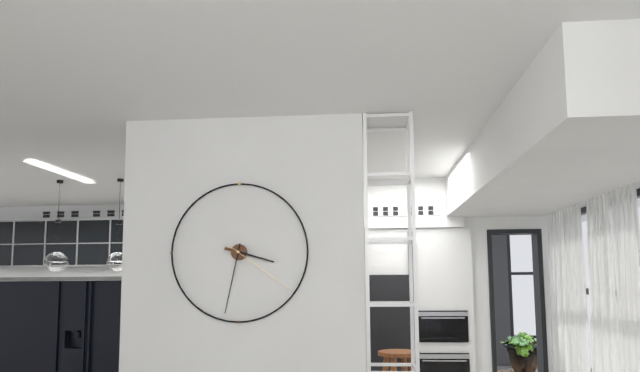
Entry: h=3 m=32 s=21
